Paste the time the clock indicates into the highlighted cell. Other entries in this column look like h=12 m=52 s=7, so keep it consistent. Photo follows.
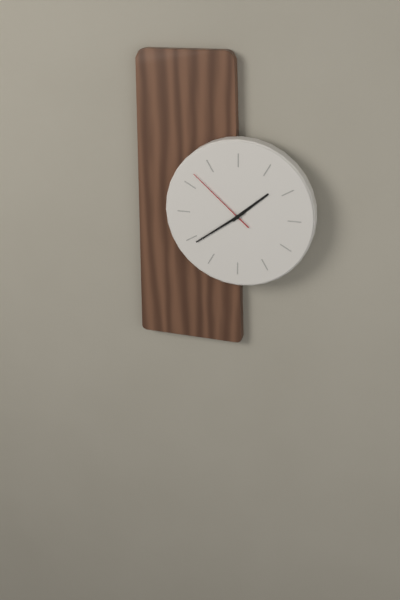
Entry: h=1 m=39 s=52
